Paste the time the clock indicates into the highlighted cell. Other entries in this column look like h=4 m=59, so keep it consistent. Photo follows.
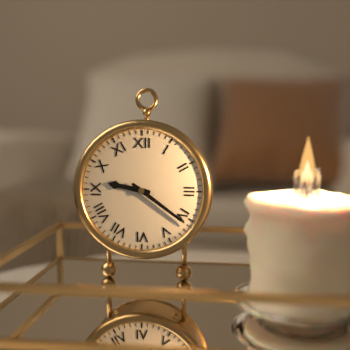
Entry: h=9 m=21
